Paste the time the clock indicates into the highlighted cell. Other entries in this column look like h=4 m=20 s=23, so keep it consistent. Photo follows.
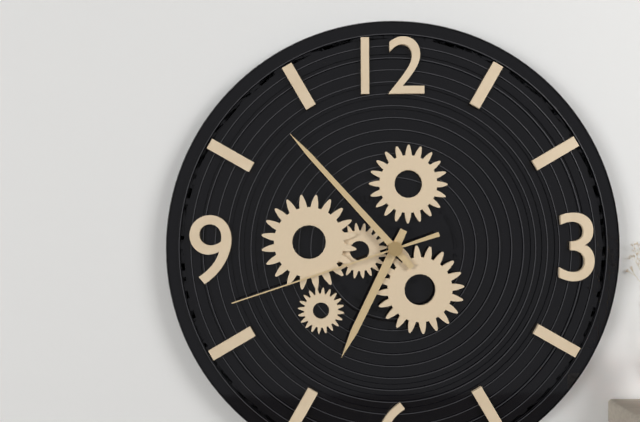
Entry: h=6 m=53 s=42
